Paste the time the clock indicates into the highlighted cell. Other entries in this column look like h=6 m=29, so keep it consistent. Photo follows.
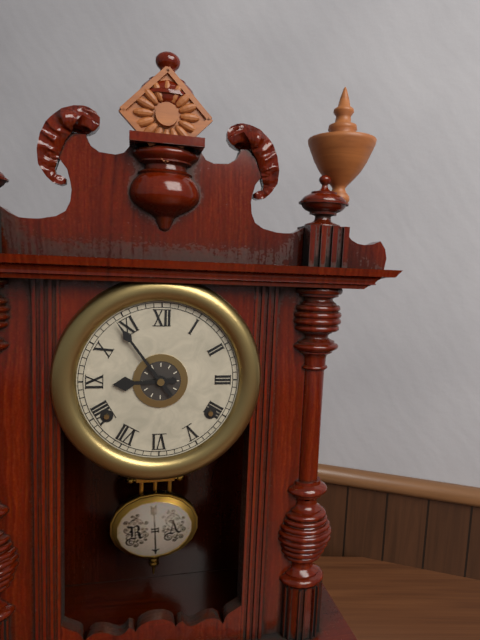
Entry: h=8 m=54
